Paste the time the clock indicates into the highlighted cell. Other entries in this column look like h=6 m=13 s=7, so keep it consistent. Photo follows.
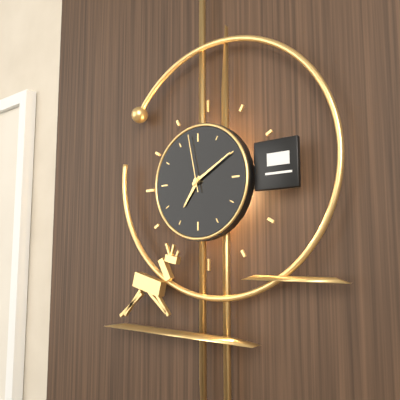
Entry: h=7 m=10 s=58
